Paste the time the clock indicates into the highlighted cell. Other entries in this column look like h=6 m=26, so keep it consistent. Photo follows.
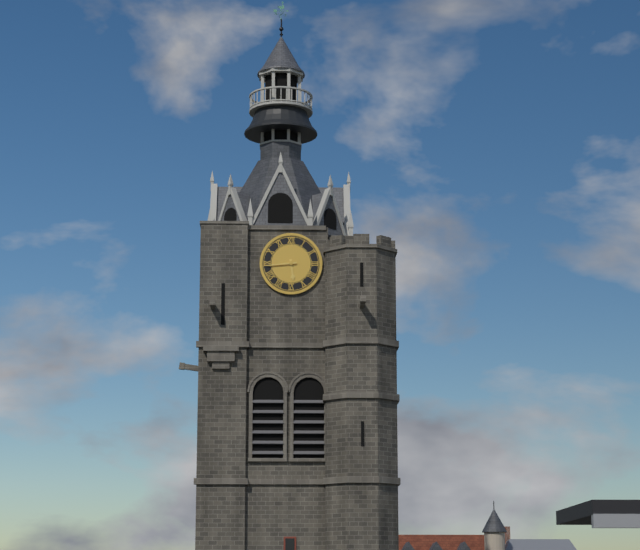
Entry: h=5 m=44
